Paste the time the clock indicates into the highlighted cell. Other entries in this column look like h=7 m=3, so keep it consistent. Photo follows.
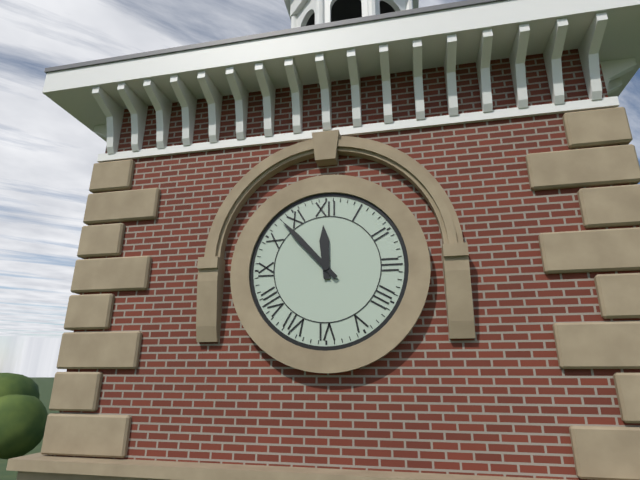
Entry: h=11 m=53
